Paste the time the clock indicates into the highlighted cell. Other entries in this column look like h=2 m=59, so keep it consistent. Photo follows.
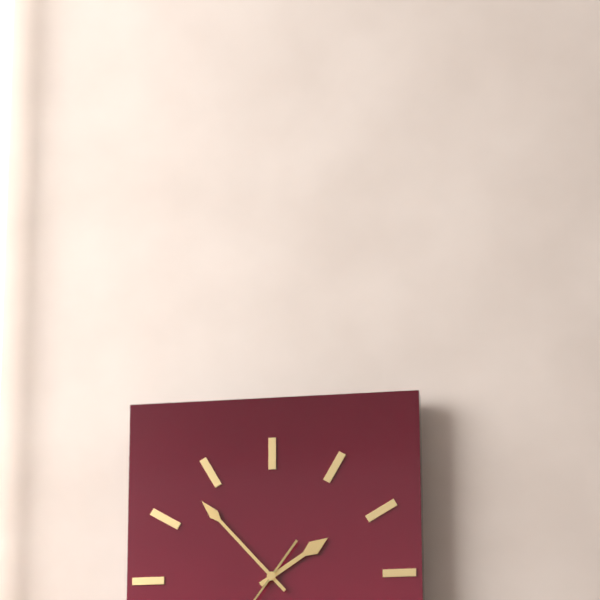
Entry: h=1 m=53
